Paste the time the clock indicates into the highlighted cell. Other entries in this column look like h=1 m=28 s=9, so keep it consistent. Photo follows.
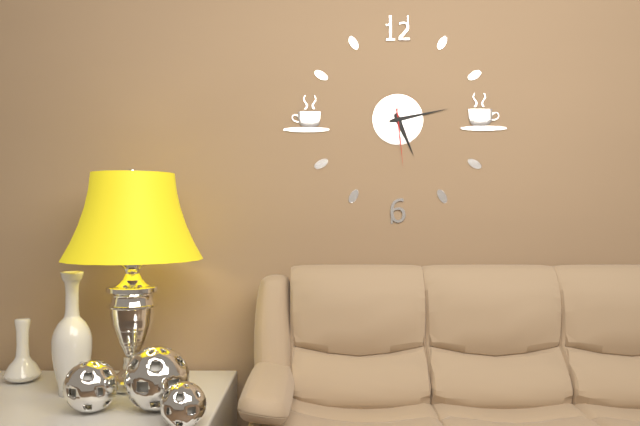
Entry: h=5 m=13 s=29
